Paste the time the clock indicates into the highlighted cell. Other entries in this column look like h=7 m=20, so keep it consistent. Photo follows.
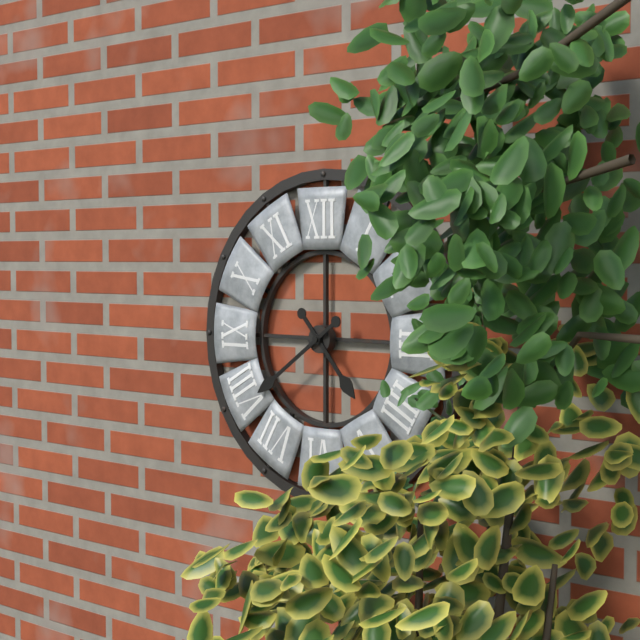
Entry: h=4 m=39
